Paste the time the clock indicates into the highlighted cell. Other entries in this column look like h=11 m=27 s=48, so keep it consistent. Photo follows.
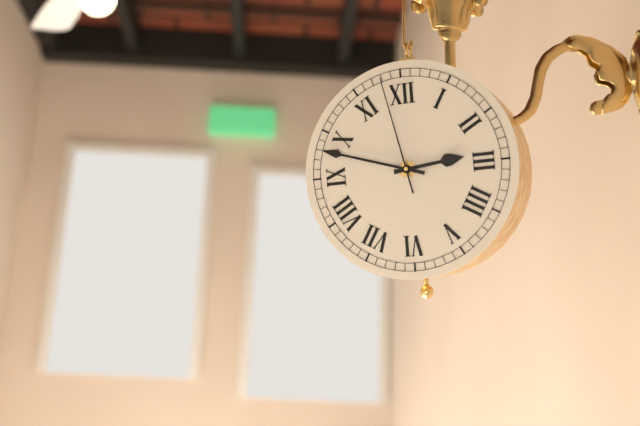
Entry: h=2 m=48 s=58
